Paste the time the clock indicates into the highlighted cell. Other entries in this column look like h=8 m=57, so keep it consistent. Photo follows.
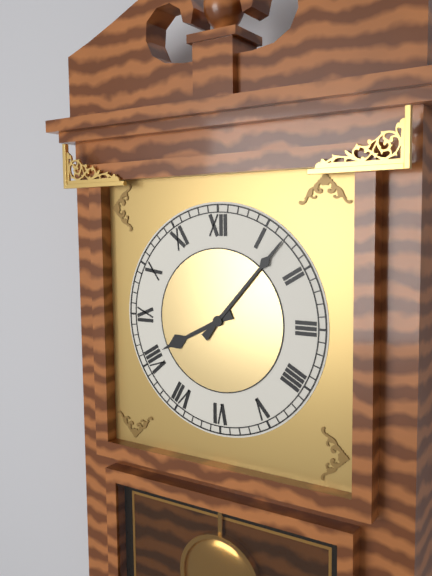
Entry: h=8 m=7
